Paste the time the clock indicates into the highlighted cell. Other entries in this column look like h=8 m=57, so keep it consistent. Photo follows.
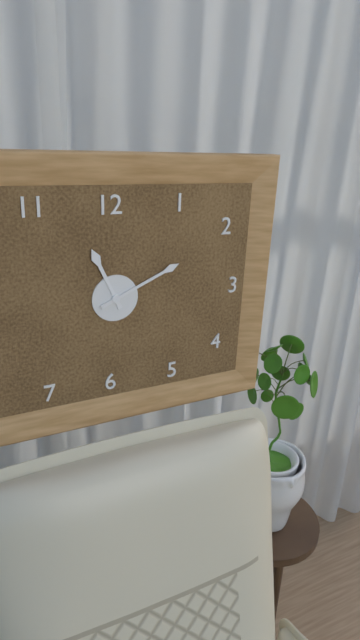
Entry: h=11 m=11
